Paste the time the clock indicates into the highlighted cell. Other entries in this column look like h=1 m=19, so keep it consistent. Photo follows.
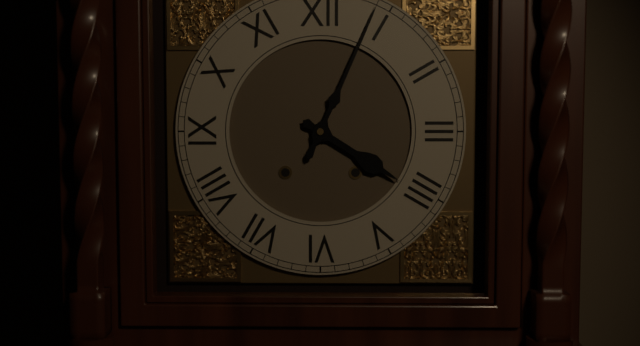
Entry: h=4 m=4
